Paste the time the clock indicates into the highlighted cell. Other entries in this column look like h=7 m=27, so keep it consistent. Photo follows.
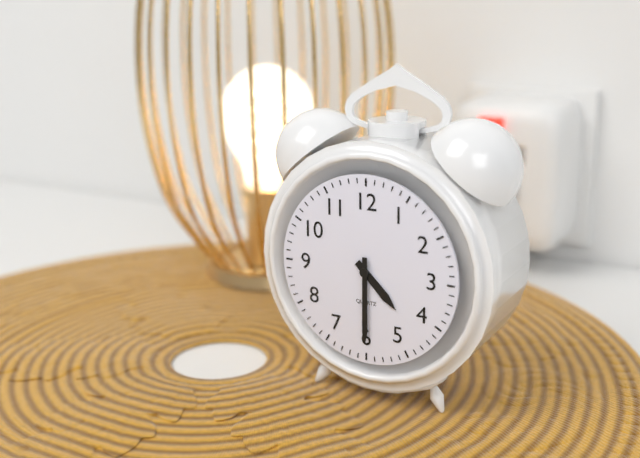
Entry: h=4 m=30
